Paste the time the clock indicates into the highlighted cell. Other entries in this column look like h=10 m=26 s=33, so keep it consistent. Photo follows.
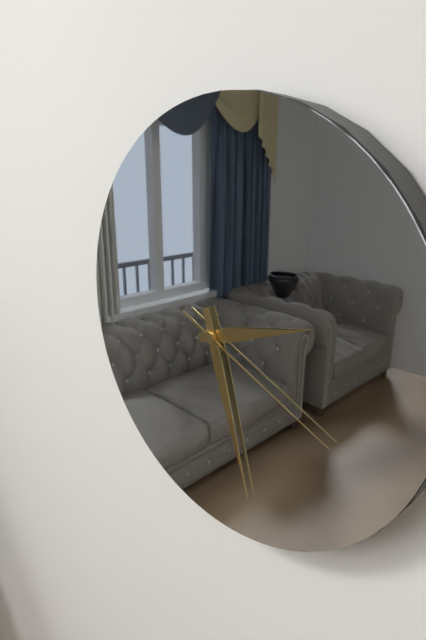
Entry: h=2 m=27 s=19
